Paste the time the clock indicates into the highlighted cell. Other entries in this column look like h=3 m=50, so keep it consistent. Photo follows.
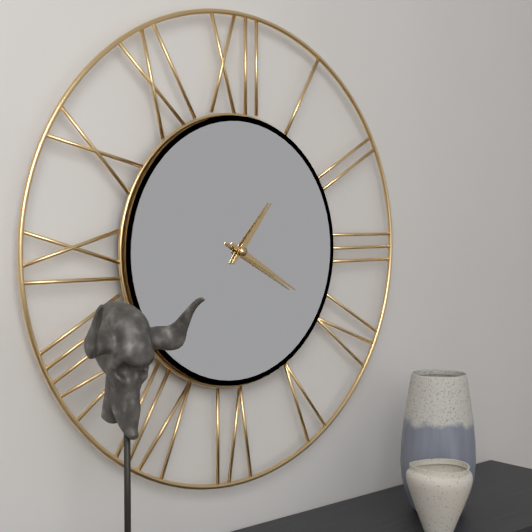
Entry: h=1 m=20
